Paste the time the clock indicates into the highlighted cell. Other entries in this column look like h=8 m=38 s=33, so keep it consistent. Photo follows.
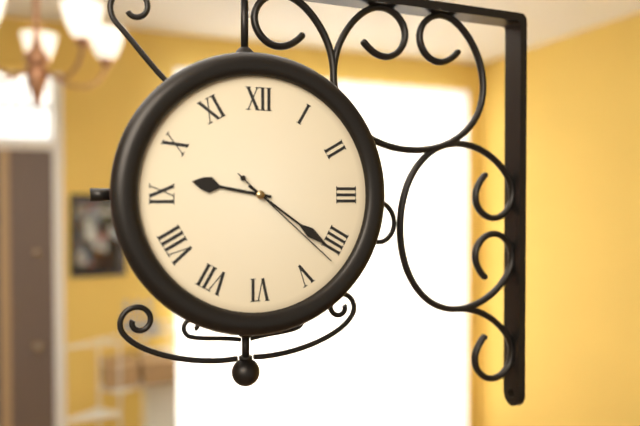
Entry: h=9 m=21 s=22
